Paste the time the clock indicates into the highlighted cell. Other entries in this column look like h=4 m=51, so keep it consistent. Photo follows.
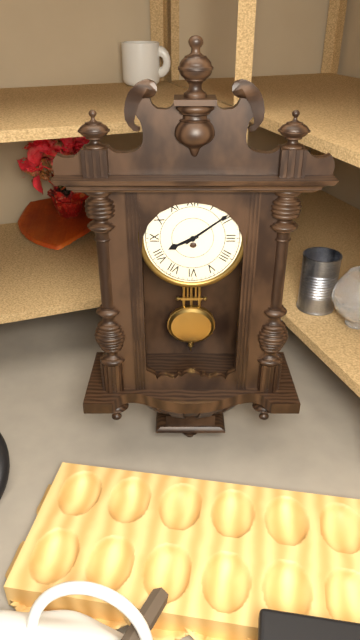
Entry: h=8 m=9
